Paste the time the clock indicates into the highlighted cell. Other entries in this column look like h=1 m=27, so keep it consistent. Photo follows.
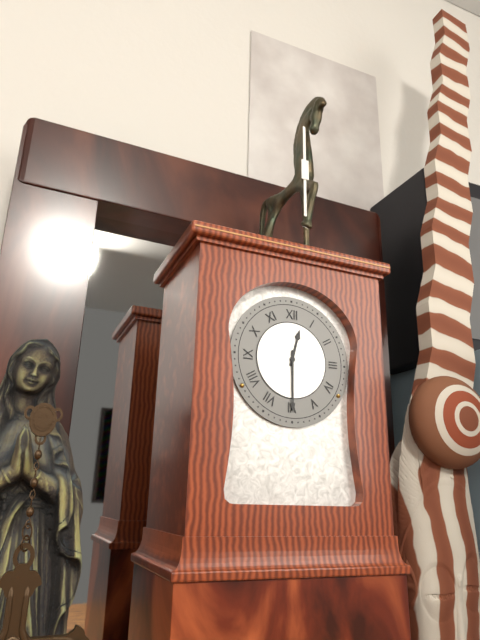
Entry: h=12 m=30
